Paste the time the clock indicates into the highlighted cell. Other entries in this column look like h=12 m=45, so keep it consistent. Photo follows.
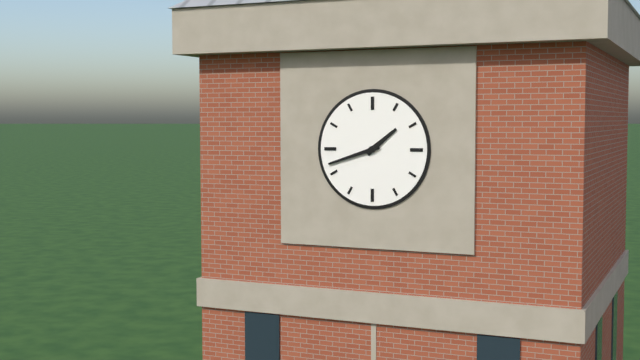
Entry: h=1 m=42
